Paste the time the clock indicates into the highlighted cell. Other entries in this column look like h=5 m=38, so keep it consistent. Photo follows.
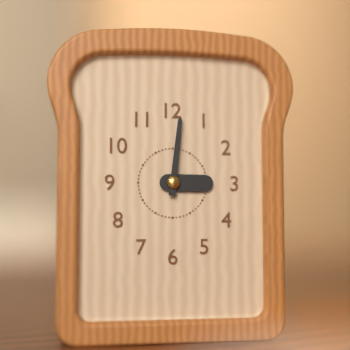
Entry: h=3 m=1
